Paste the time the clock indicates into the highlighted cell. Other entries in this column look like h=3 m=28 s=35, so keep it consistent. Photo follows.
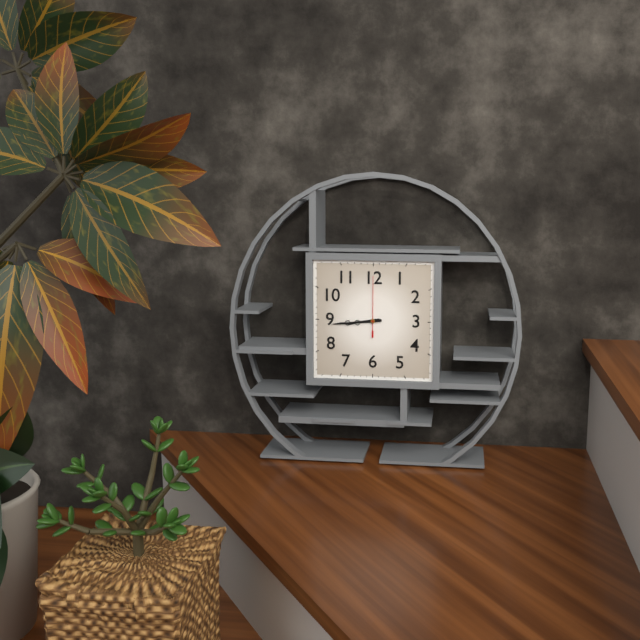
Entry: h=8 m=44 s=0
